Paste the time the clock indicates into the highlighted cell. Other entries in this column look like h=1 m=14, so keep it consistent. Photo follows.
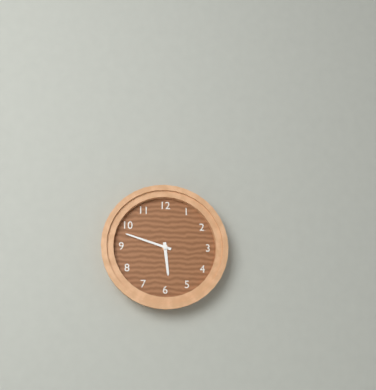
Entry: h=5 m=48
